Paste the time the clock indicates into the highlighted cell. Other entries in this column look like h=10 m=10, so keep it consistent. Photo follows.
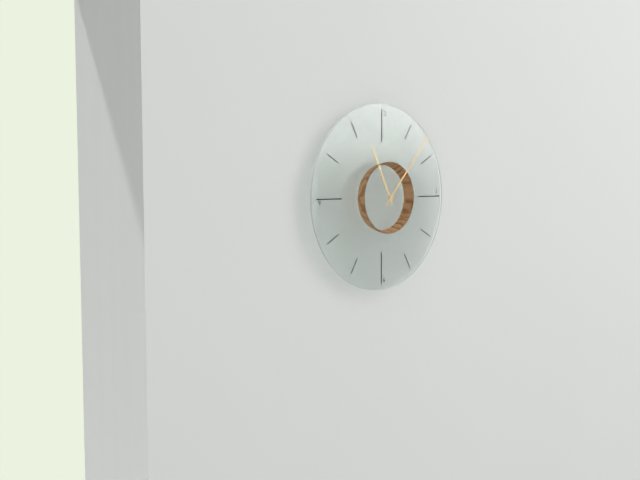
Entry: h=11 m=7
